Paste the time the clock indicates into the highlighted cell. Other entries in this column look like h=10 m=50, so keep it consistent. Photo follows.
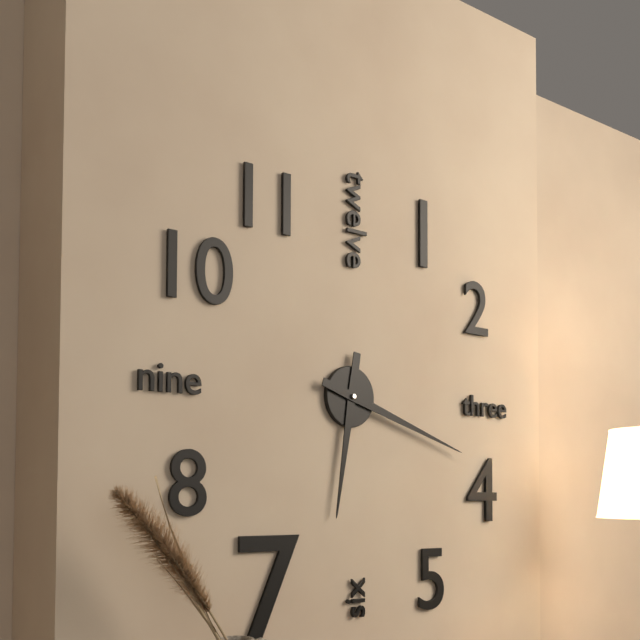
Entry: h=6 m=18
